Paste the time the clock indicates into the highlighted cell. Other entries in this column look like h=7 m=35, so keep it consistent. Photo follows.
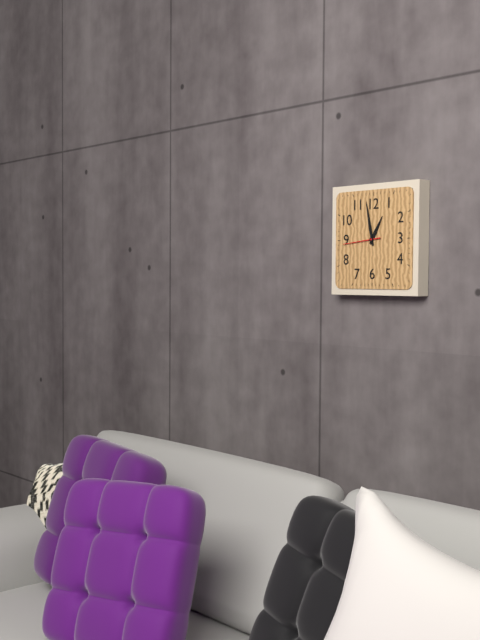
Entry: h=12 m=58
